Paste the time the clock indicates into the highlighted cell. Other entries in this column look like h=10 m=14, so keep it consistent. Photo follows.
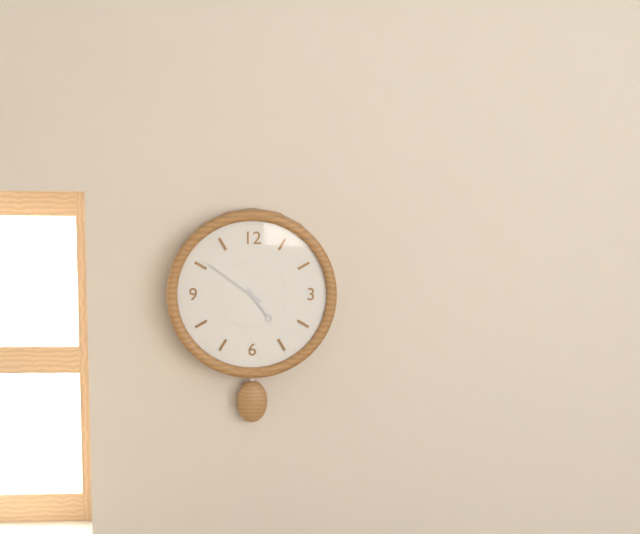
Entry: h=4 m=51
